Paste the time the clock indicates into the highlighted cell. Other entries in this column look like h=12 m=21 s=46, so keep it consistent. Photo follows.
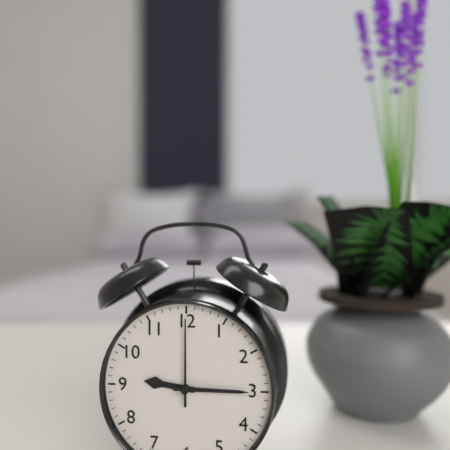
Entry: h=9 m=15 s=0
